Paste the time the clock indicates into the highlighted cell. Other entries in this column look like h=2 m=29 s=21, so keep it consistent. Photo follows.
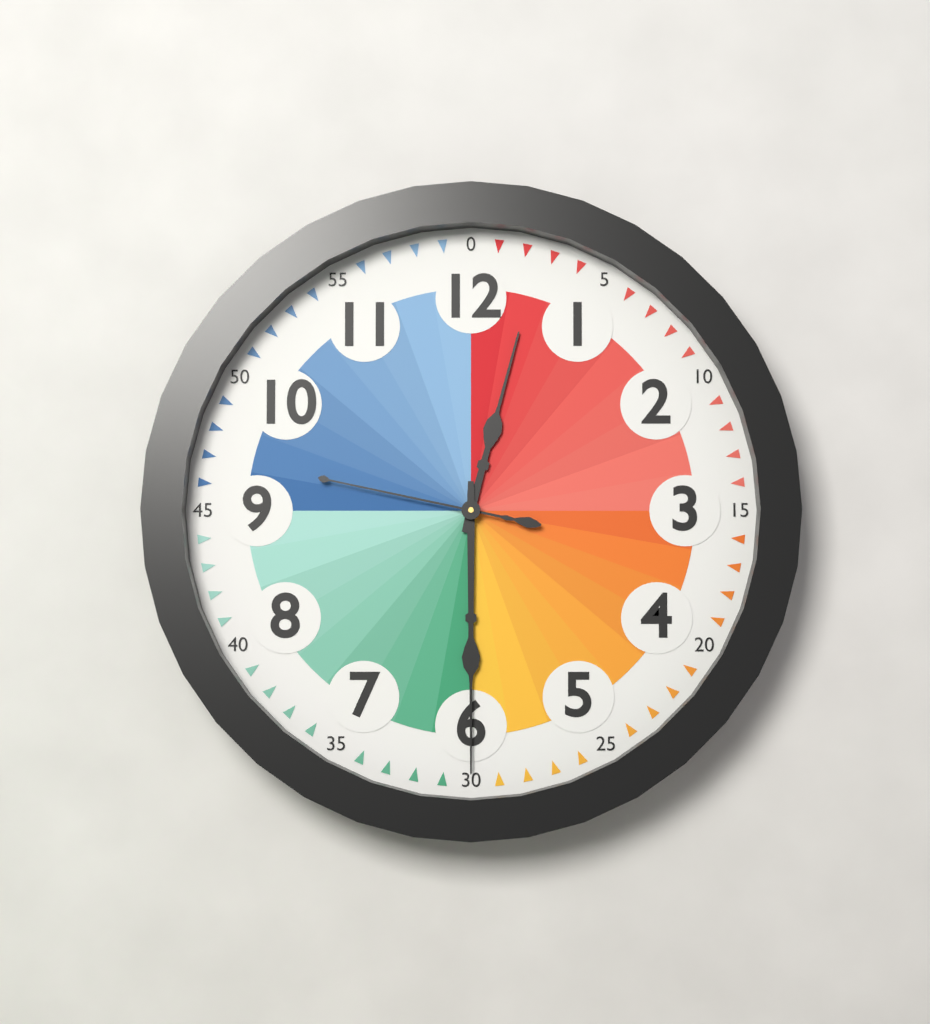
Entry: h=12 m=30 s=47
